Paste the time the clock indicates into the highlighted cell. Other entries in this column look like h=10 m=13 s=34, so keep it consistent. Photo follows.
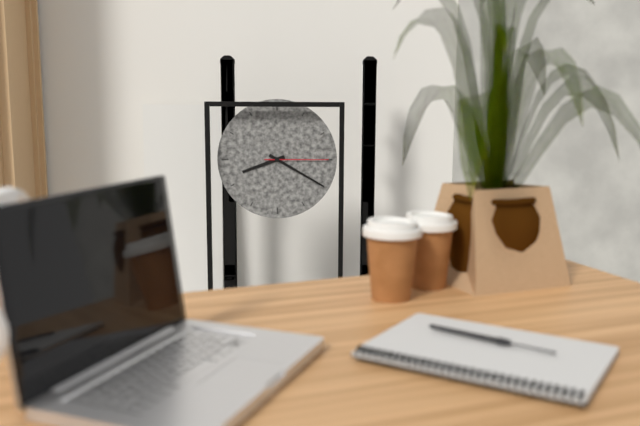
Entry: h=8 m=20 s=15
